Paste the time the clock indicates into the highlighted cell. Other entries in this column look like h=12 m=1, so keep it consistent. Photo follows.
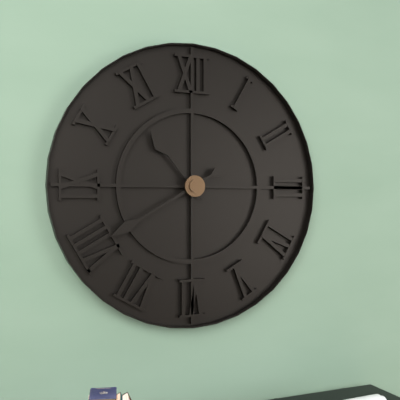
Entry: h=10 m=40
